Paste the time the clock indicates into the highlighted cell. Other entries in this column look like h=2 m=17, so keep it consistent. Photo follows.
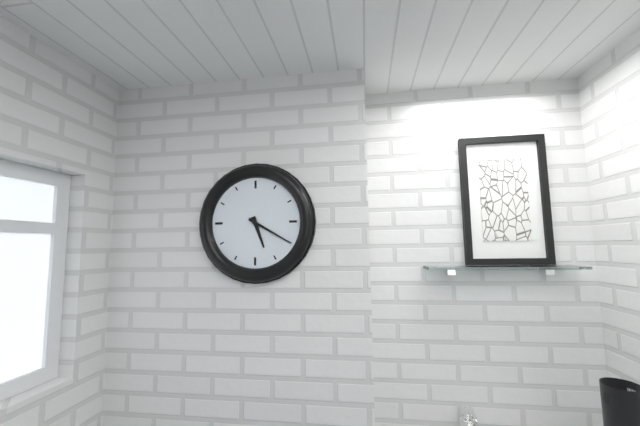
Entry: h=5 m=20
